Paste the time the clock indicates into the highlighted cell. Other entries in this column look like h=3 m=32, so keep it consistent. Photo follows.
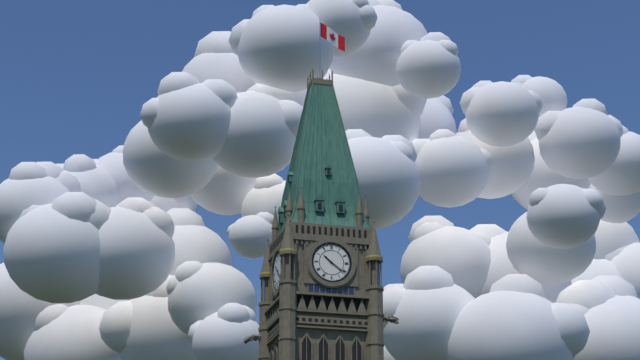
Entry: h=10 m=21
